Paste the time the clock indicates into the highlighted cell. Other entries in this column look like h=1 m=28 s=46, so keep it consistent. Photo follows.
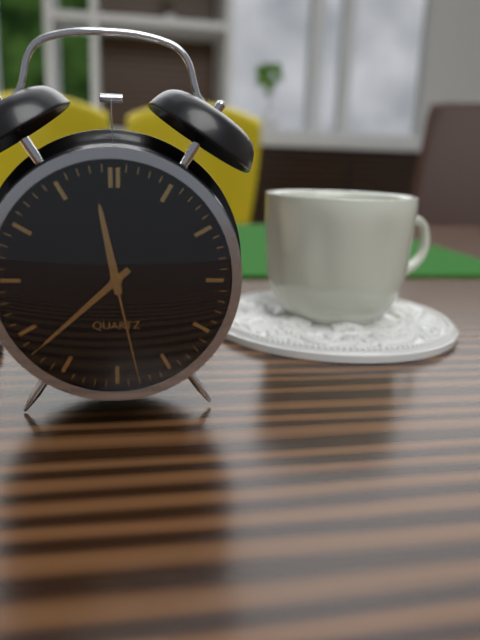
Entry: h=11 m=38 s=28
